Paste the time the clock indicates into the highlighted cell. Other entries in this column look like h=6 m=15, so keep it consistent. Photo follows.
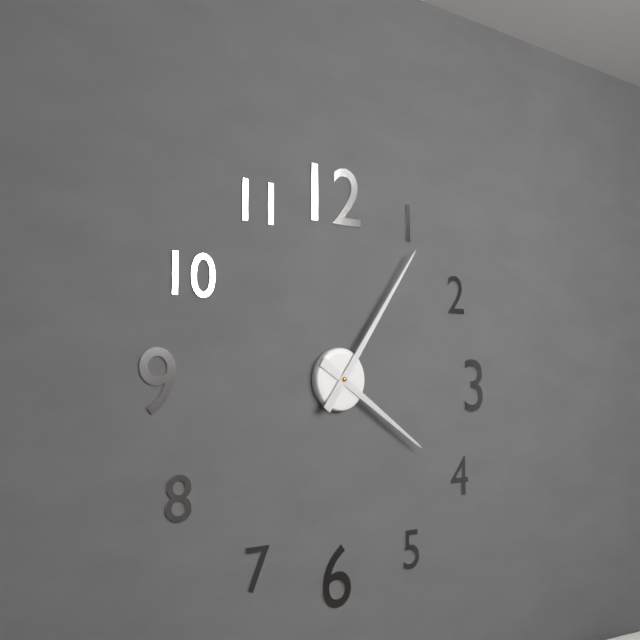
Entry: h=4 m=6
